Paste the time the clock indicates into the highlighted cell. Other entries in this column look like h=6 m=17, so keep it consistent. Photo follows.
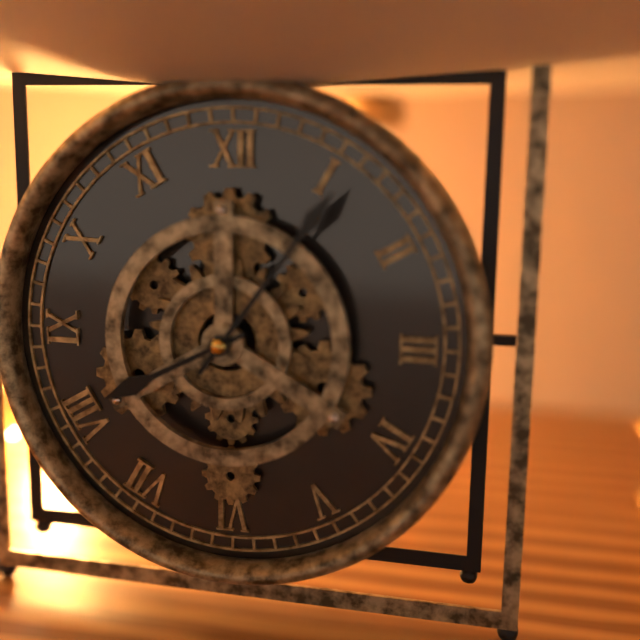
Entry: h=8 m=6
